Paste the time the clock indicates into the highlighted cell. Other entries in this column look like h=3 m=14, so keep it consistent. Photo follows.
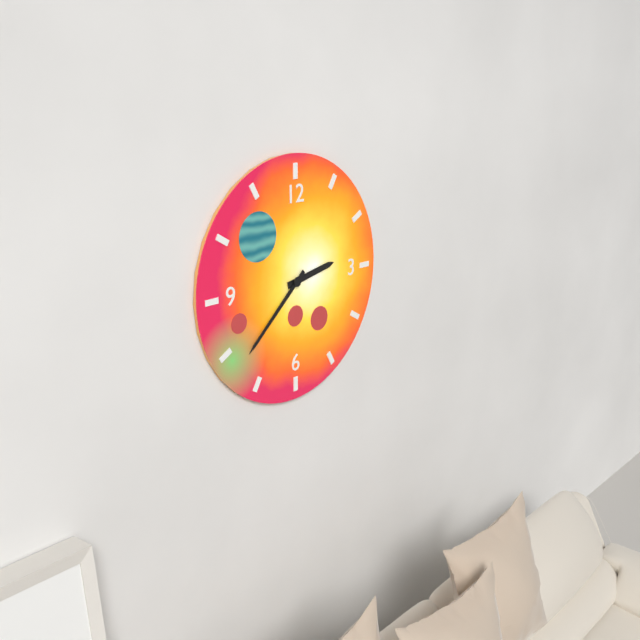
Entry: h=2 m=38
